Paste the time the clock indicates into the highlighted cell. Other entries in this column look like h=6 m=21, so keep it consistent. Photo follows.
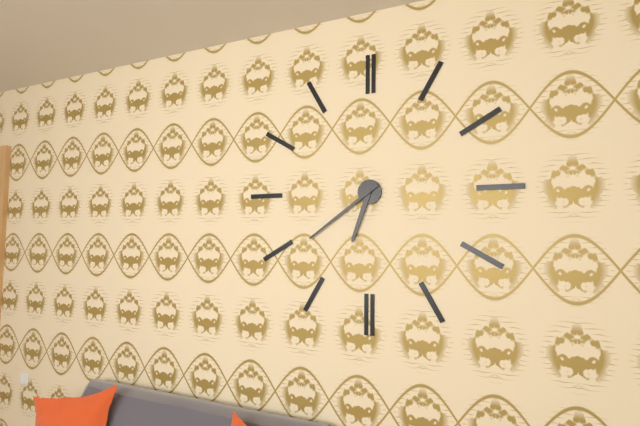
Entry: h=6 m=39
